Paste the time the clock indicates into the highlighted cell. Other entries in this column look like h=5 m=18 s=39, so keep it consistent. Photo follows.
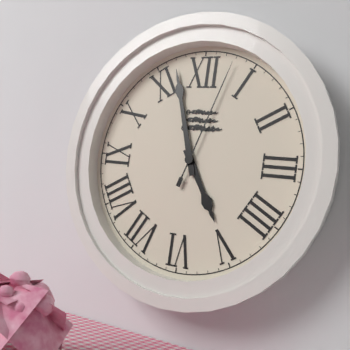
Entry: h=4 m=57 s=3
